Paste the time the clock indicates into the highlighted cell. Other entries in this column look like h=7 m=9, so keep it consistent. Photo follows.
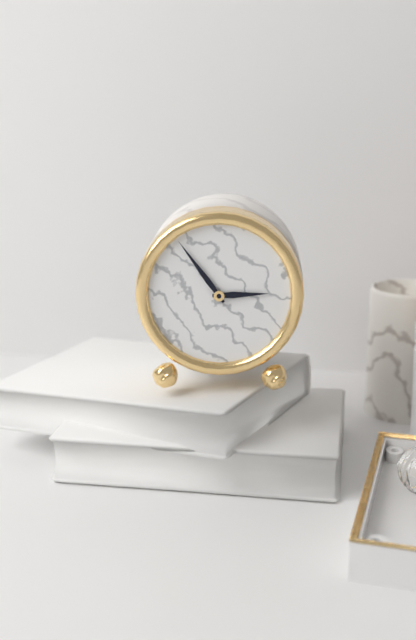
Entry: h=2 m=54
